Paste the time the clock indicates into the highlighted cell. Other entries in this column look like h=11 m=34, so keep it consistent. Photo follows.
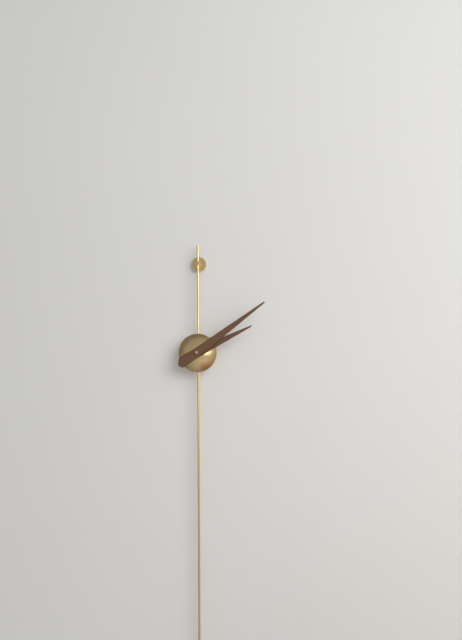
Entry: h=2 m=9
